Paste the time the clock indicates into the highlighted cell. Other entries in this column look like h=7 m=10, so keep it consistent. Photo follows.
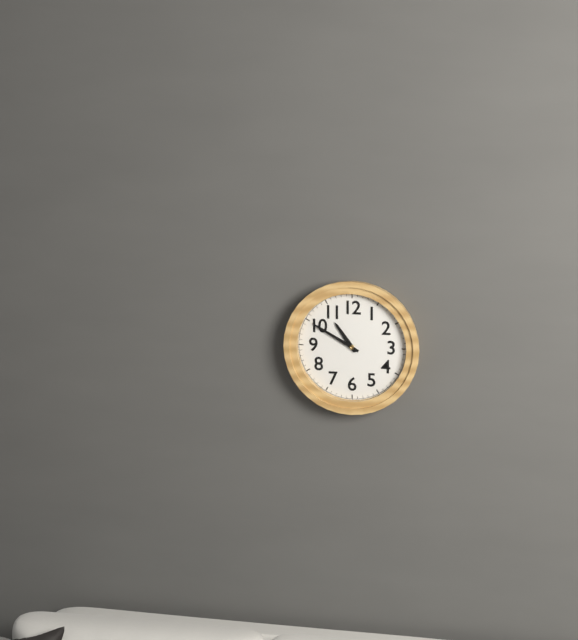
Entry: h=10 m=50
